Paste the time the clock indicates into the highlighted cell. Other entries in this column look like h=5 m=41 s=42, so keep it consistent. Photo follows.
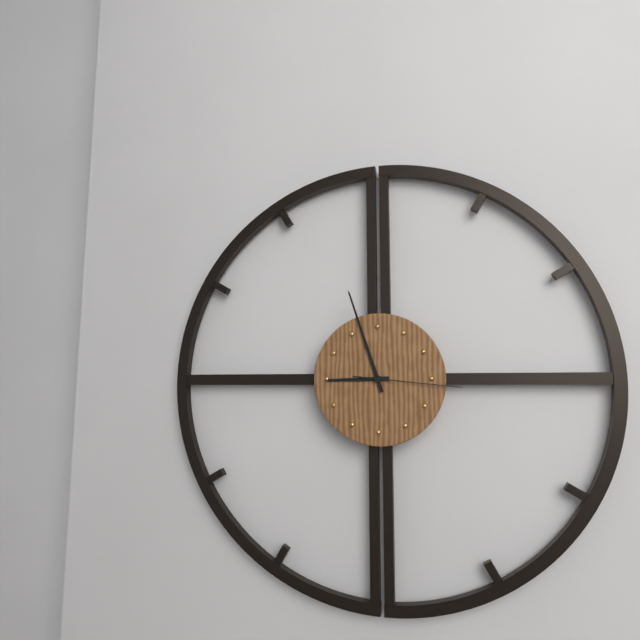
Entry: h=8 m=57 s=16
